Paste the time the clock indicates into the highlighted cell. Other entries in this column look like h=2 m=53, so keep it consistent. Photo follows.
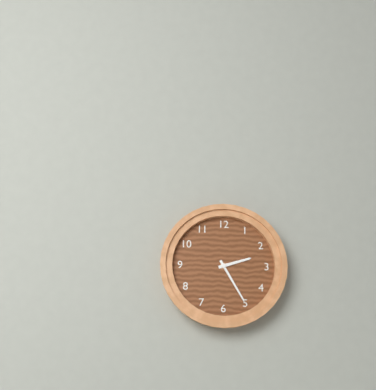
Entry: h=2 m=25
